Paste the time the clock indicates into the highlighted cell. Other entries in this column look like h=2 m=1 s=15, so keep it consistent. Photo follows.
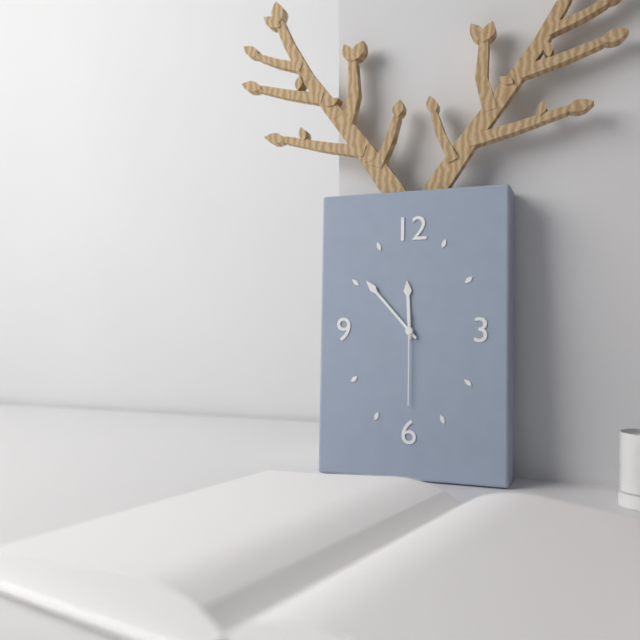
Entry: h=11 m=53 s=30
